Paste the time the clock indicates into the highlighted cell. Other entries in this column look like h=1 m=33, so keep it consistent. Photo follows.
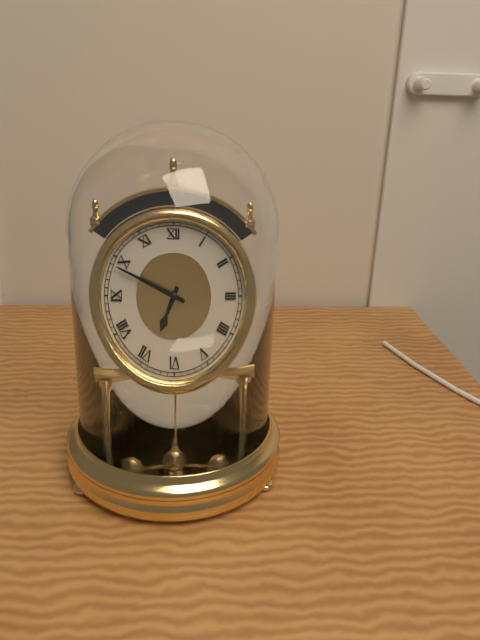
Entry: h=6 m=49
